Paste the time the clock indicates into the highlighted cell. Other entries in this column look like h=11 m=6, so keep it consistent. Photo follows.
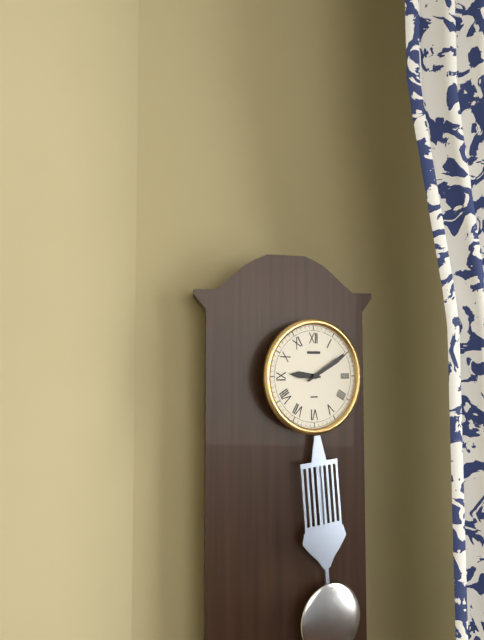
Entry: h=9 m=10
